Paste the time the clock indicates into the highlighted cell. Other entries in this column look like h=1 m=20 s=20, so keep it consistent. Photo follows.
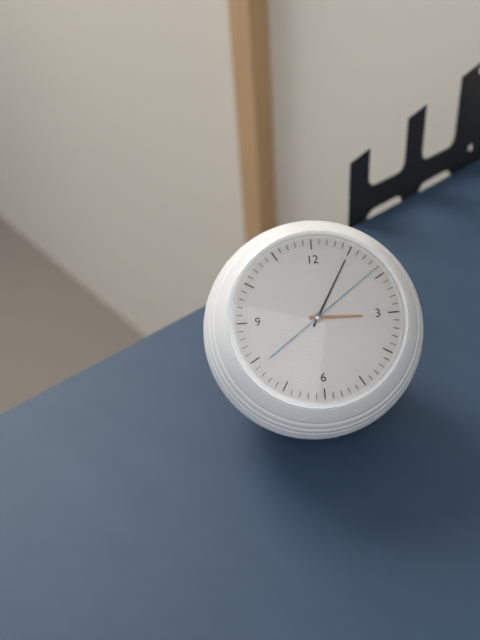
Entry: h=3 m=5 s=9
